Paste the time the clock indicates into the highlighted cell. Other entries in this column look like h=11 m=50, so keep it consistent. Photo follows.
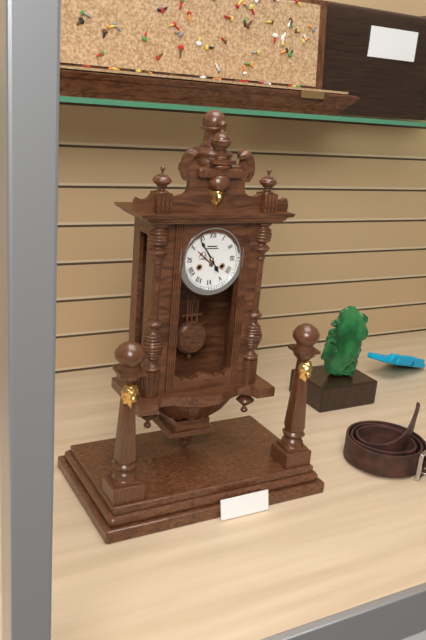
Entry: h=4 m=54
